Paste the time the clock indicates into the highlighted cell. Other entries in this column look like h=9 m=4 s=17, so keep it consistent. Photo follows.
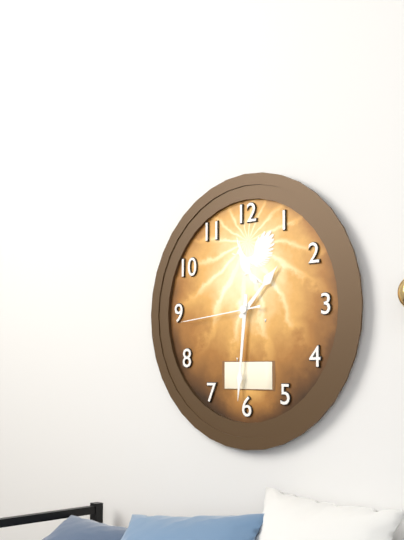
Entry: h=1 m=31 s=44
